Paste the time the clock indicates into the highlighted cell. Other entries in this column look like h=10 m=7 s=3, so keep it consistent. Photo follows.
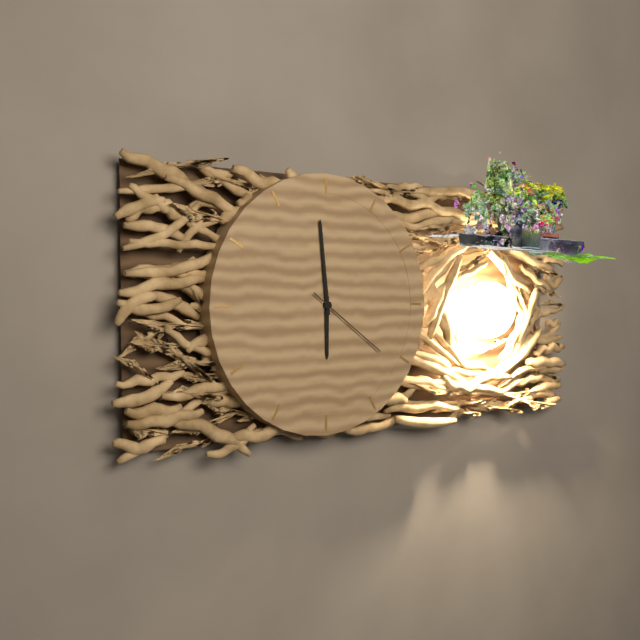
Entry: h=5 m=59 s=21
